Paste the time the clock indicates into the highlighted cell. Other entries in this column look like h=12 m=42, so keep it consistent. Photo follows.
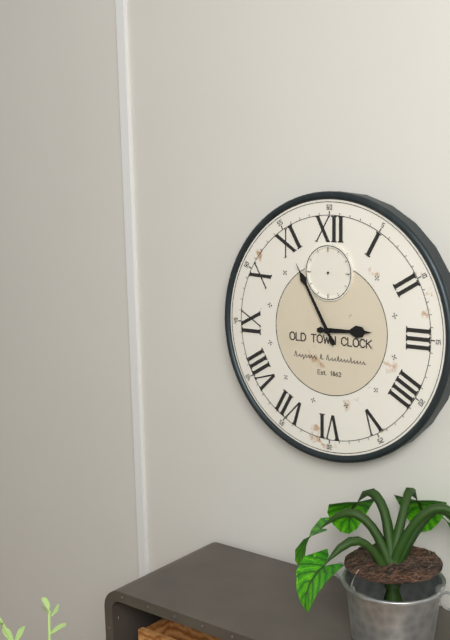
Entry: h=2 m=55
